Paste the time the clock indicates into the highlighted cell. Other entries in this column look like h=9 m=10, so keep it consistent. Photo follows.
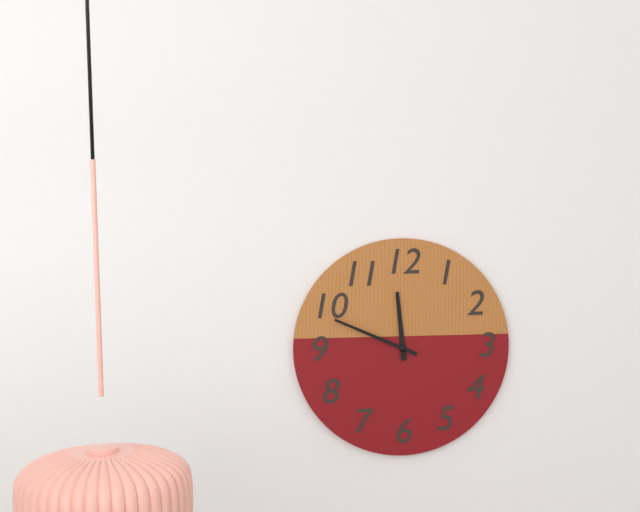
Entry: h=11 m=49
